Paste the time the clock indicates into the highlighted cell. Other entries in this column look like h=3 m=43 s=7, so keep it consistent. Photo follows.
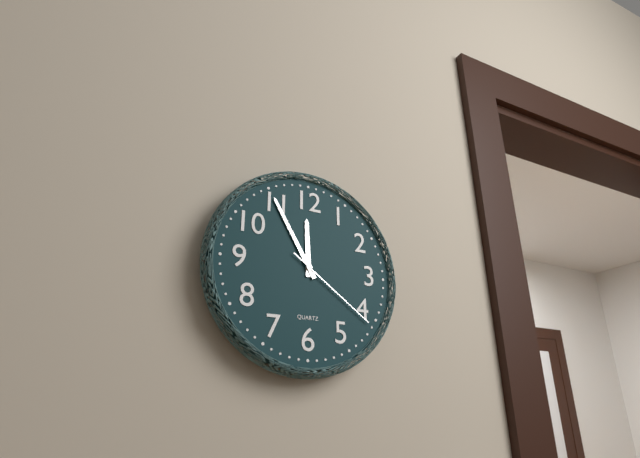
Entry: h=11 m=55 s=21
